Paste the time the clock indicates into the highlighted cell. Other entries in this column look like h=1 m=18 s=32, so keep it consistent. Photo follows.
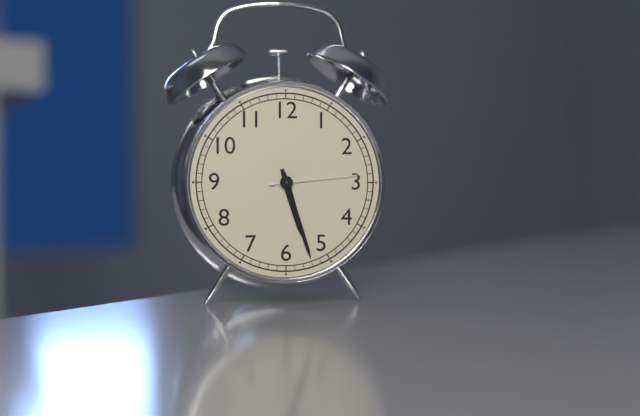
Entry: h=5 m=27 s=14
